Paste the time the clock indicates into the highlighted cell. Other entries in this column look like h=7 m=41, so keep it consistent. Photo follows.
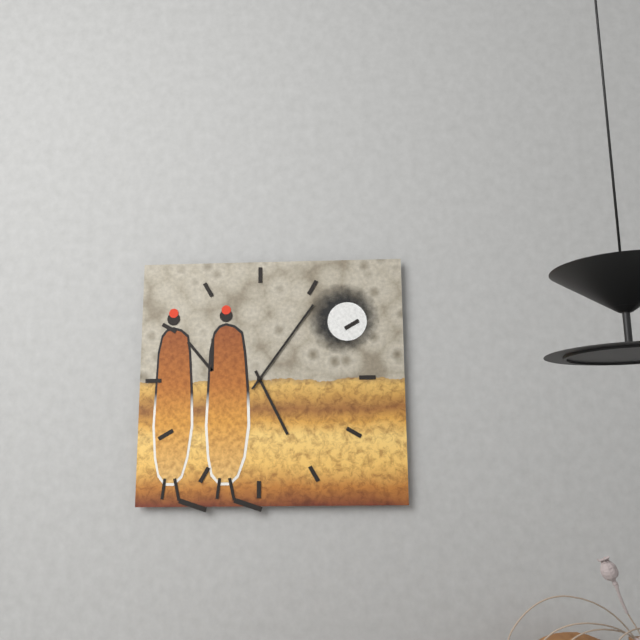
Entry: h=5 m=6
